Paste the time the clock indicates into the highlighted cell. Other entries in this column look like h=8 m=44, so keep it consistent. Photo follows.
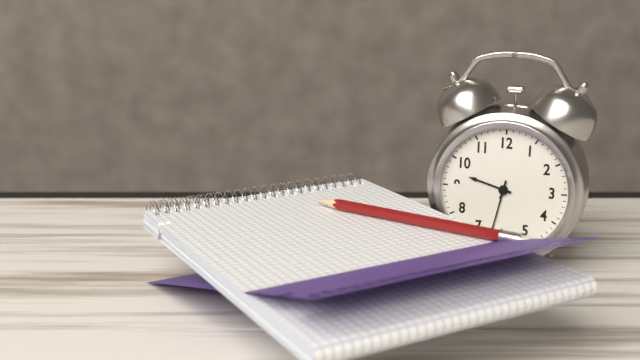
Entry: h=9 m=32
